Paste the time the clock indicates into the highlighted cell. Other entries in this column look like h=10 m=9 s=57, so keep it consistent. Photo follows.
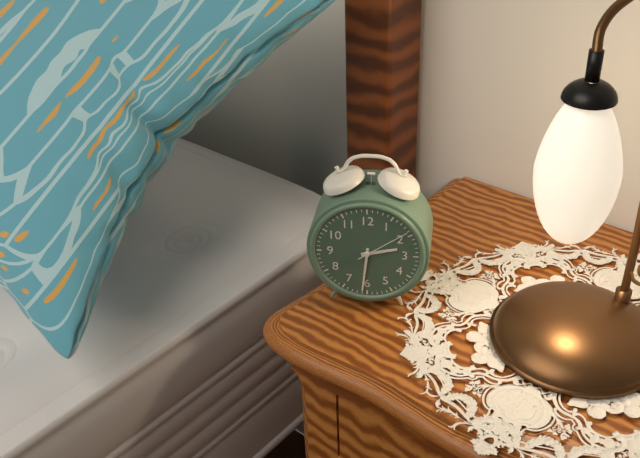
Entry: h=2 m=31 s=9
